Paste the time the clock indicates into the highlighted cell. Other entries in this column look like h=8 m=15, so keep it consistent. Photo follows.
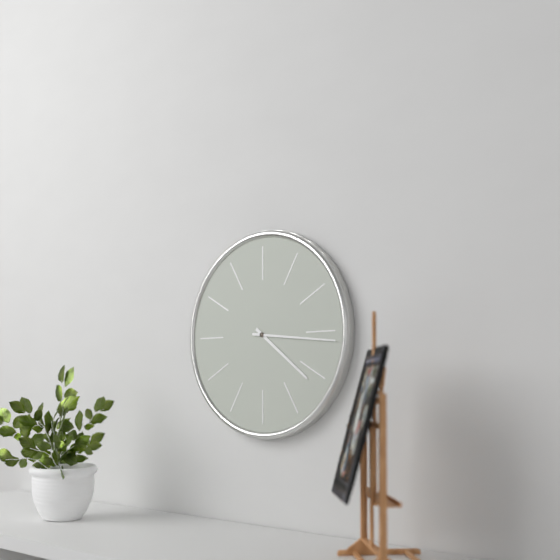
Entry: h=4 m=16
